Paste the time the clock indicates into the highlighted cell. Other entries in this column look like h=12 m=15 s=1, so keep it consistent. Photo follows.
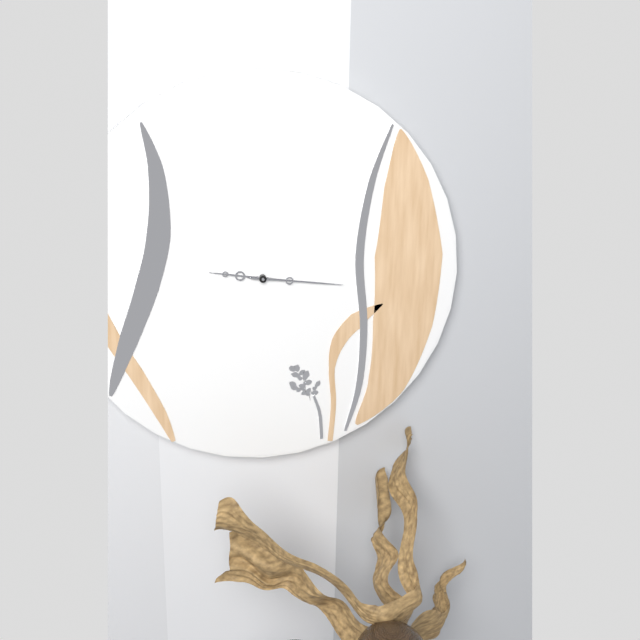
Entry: h=9 m=16 s=16
